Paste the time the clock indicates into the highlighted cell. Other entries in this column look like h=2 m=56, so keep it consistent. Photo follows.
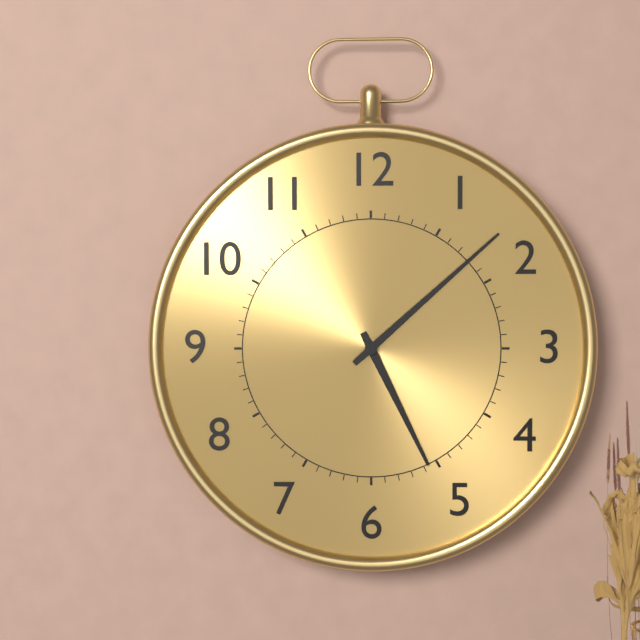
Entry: h=5 m=8
